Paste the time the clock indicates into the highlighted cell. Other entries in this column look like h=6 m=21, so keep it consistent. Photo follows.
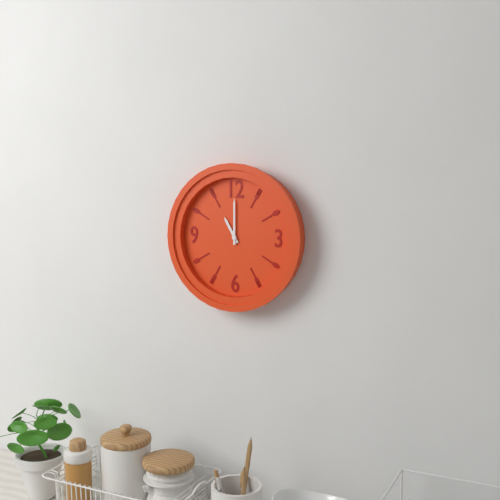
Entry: h=11 m=0
